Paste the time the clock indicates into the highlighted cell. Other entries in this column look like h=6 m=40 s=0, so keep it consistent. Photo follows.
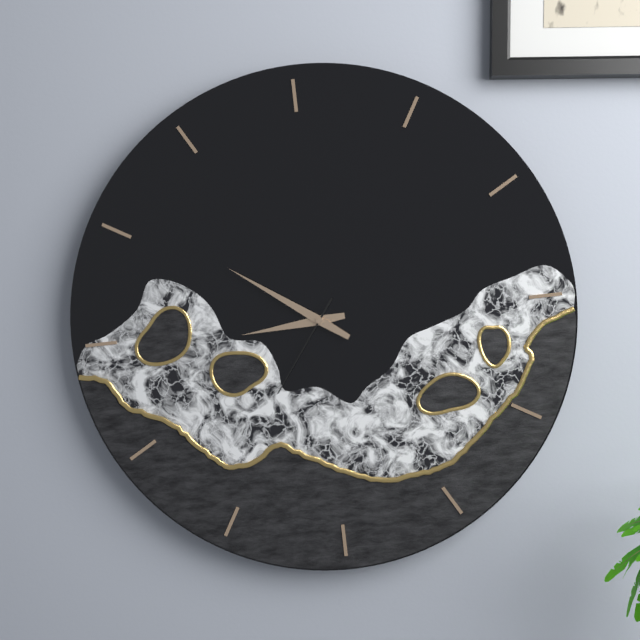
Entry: h=8 m=51 s=36
